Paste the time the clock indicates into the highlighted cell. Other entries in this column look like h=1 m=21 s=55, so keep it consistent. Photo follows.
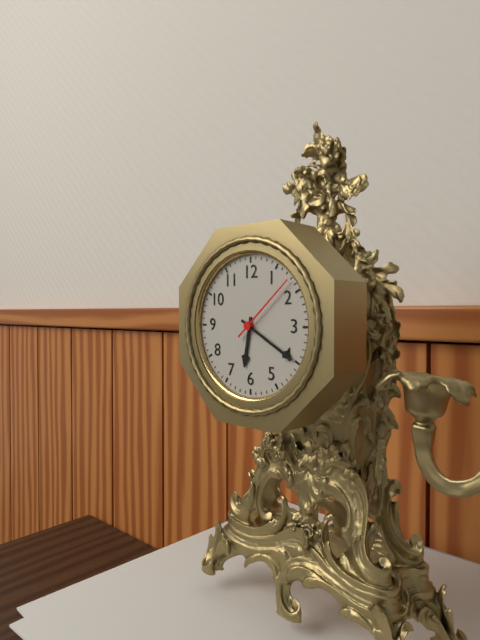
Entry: h=6 m=20 s=8
